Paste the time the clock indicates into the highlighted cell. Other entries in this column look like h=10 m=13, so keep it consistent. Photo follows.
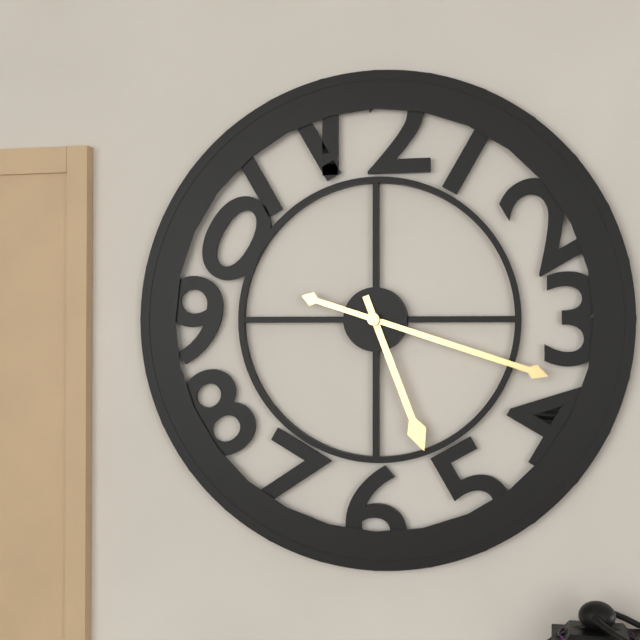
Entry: h=5 m=18
